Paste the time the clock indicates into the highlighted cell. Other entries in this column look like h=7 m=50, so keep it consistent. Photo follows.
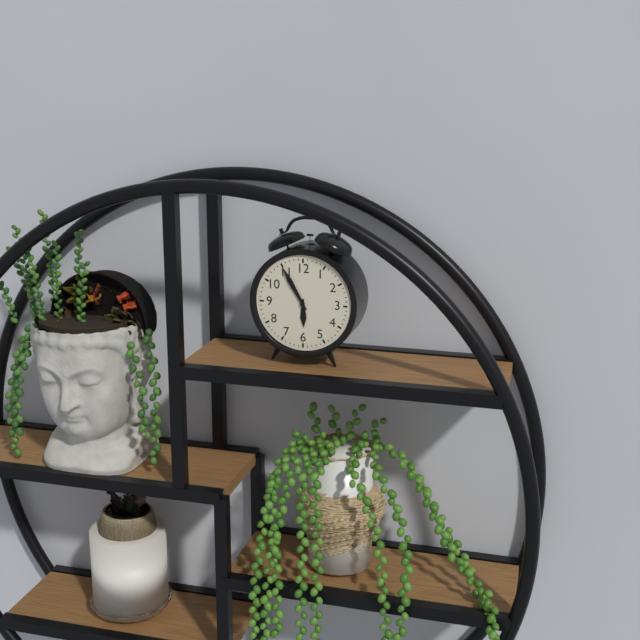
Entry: h=5 m=55
